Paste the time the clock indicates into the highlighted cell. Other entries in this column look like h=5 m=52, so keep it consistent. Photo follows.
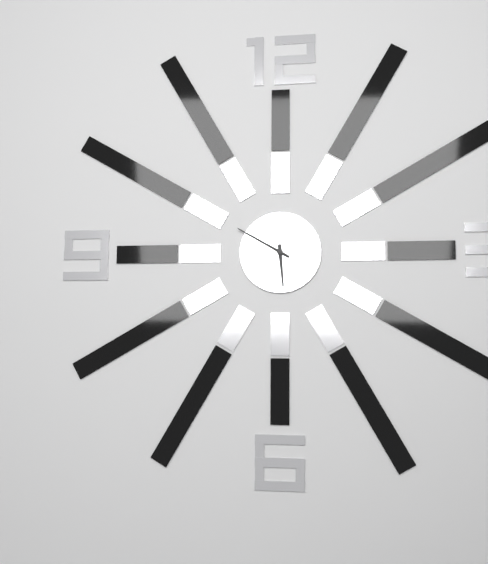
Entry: h=5 m=50
